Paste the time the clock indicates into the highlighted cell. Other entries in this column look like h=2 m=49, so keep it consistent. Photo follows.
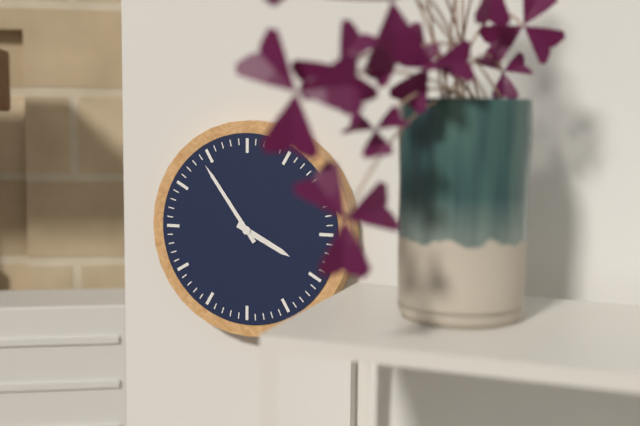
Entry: h=3 m=54
